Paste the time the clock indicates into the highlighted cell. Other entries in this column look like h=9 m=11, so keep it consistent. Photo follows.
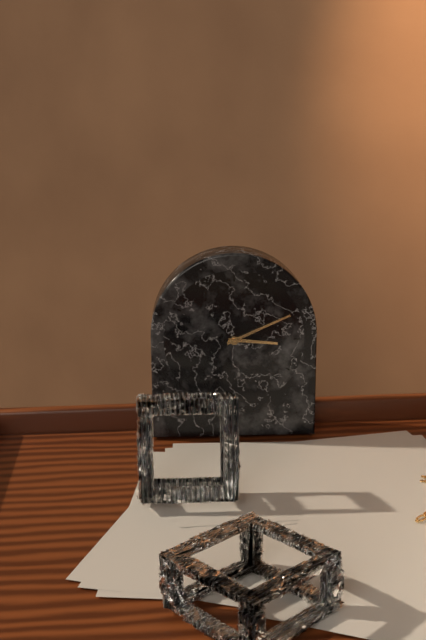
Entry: h=3 m=11
